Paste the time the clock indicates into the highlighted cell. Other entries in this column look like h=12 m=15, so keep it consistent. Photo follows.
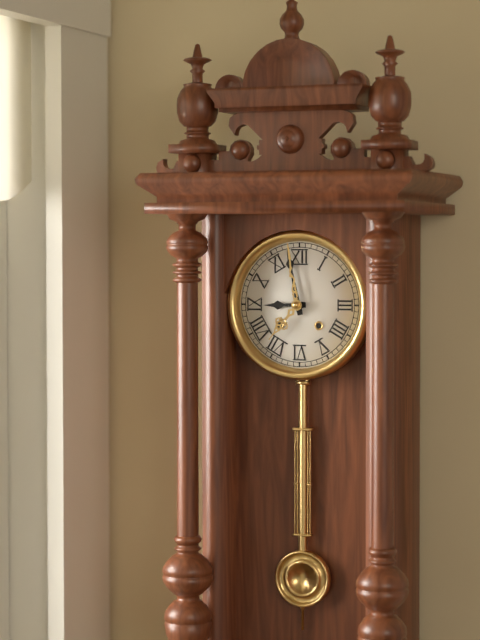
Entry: h=8 m=58
